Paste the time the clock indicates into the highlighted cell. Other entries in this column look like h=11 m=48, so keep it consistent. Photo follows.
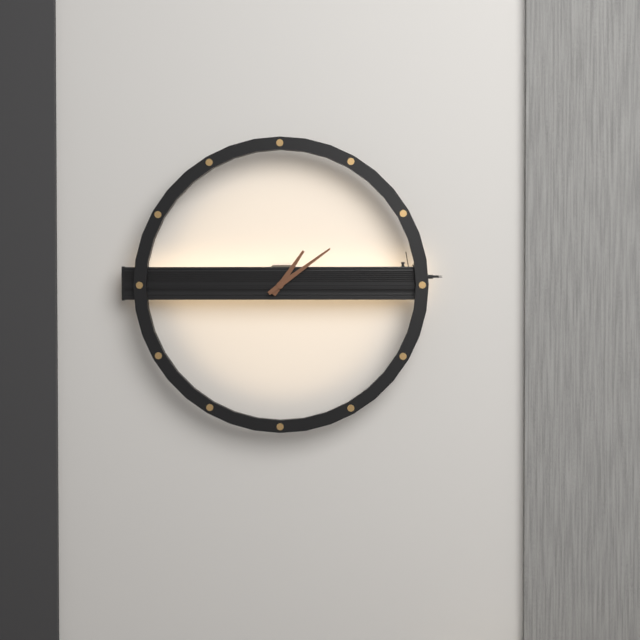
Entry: h=1 m=9
